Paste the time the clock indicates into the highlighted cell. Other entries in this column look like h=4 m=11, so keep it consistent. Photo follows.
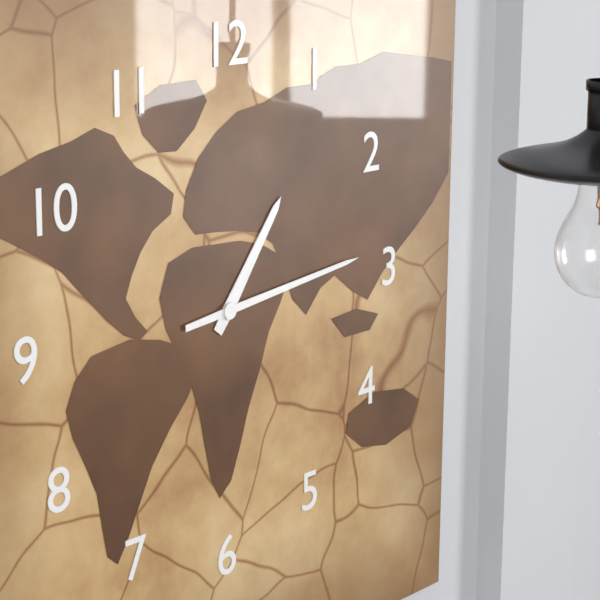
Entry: h=1 m=14
